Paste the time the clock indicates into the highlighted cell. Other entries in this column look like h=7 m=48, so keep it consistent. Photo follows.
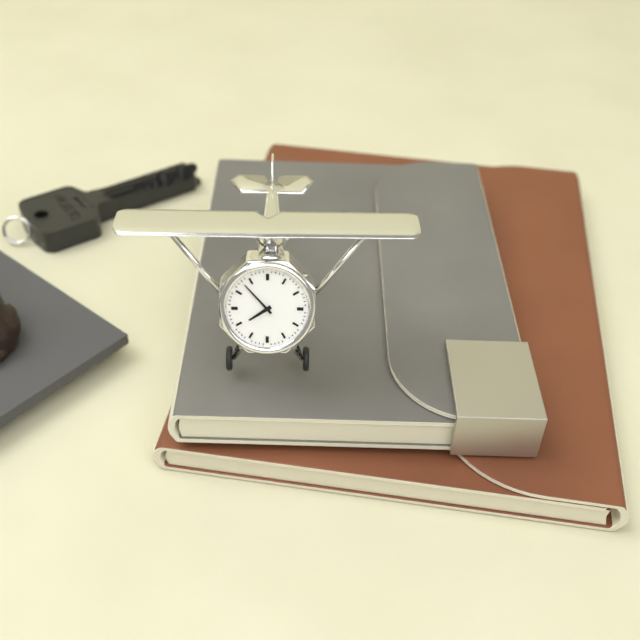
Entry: h=7 m=53
